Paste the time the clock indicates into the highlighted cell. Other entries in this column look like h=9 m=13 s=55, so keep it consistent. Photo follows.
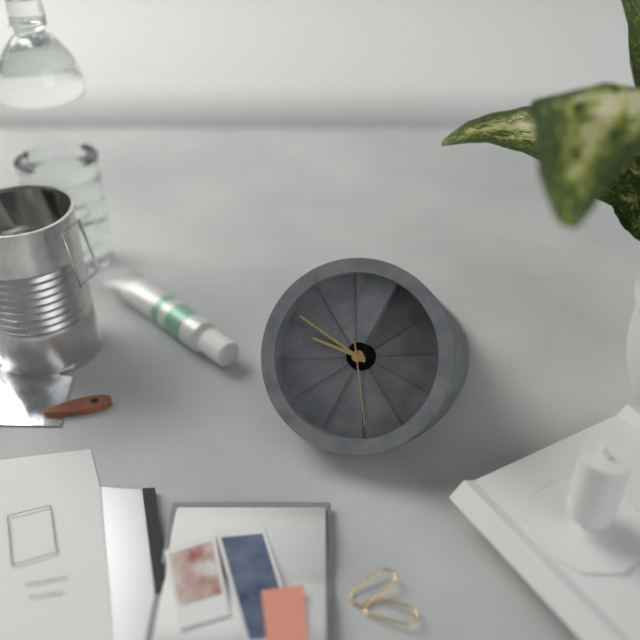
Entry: h=8 m=46 s=24
